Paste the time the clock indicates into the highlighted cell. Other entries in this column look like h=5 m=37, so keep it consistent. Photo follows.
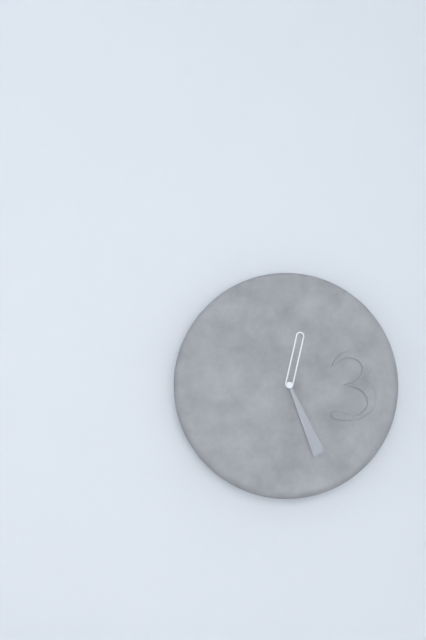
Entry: h=12 m=26
